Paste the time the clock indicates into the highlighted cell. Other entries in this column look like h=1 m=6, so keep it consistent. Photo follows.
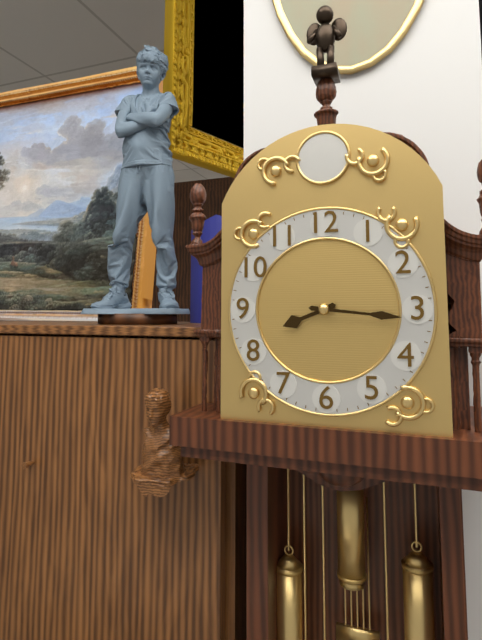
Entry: h=8 m=16
